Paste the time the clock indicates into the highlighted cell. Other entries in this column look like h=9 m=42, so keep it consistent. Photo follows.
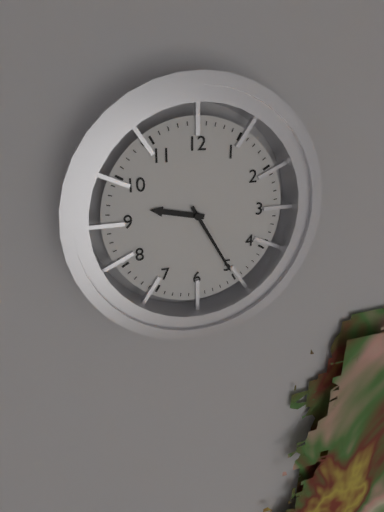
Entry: h=9 m=25
